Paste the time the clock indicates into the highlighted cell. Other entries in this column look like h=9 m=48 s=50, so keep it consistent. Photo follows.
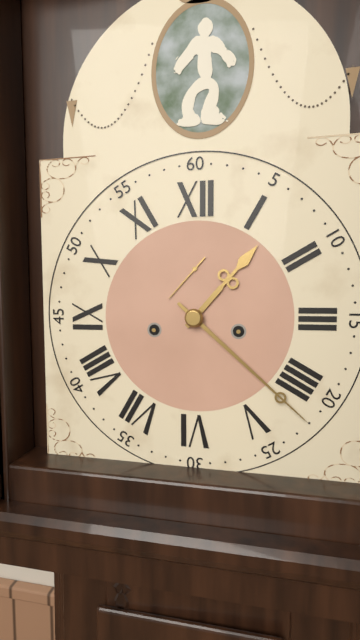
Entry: h=1 m=22 s=37
